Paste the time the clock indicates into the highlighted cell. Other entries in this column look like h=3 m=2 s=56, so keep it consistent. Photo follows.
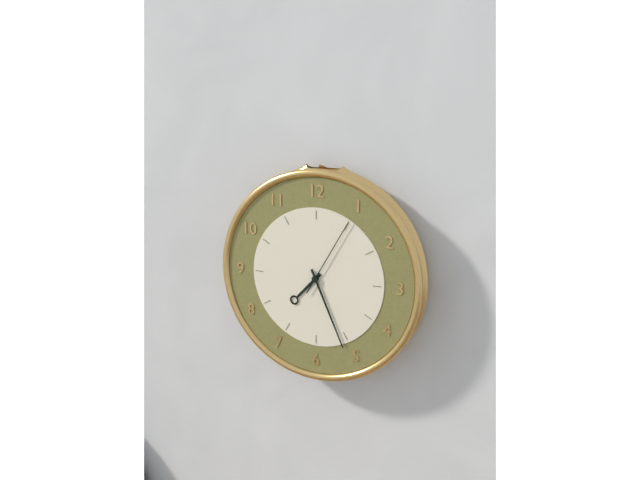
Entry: h=7 m=26 s=5
